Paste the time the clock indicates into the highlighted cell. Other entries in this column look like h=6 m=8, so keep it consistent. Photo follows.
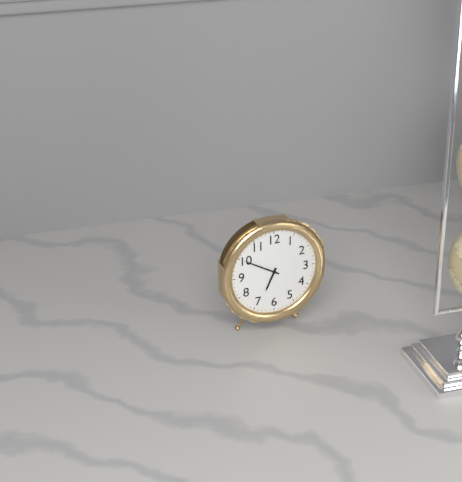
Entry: h=6 m=50
